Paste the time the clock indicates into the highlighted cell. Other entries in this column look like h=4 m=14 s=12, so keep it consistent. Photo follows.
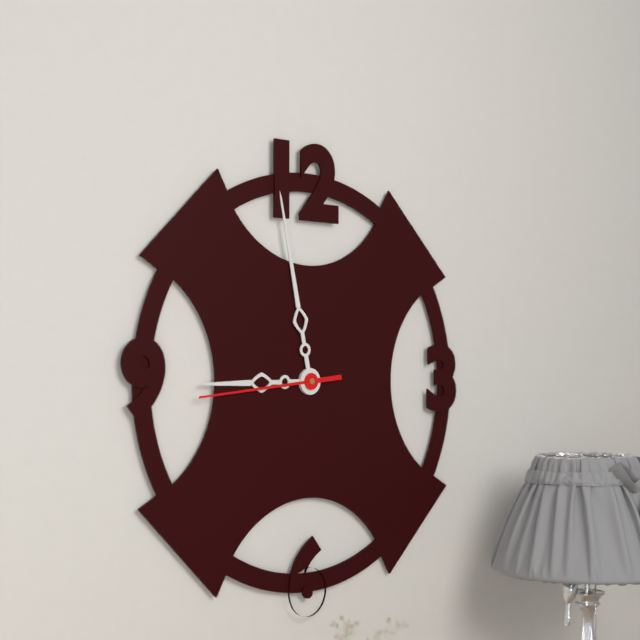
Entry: h=8 m=58 s=44
